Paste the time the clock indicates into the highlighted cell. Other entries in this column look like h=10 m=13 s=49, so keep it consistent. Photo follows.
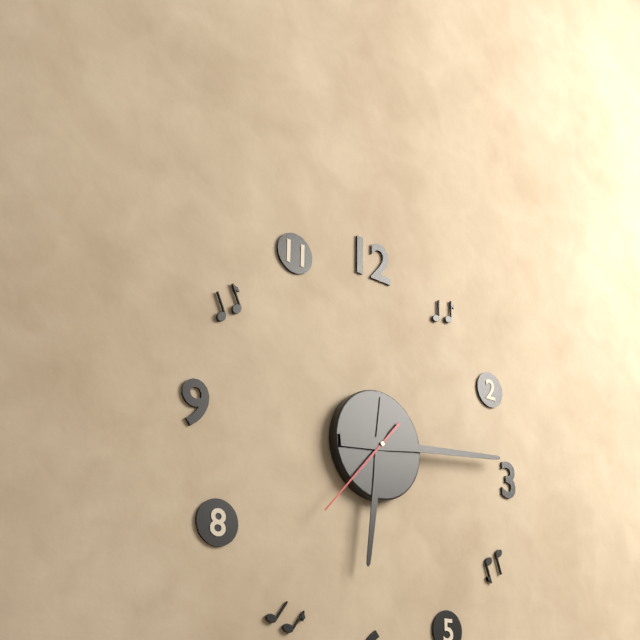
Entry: h=6 m=14 s=37
